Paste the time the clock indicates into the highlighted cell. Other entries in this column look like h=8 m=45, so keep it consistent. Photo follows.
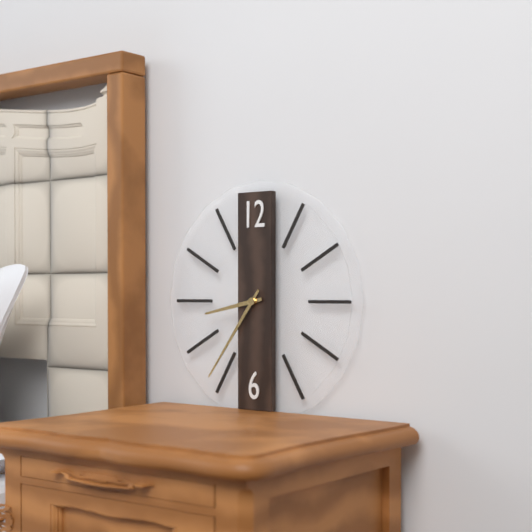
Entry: h=8 m=36
